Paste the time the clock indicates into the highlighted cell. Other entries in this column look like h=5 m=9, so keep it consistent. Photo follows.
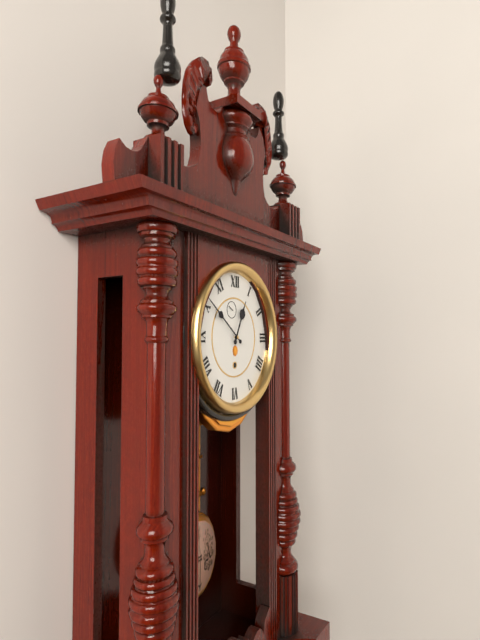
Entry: h=12 m=51
